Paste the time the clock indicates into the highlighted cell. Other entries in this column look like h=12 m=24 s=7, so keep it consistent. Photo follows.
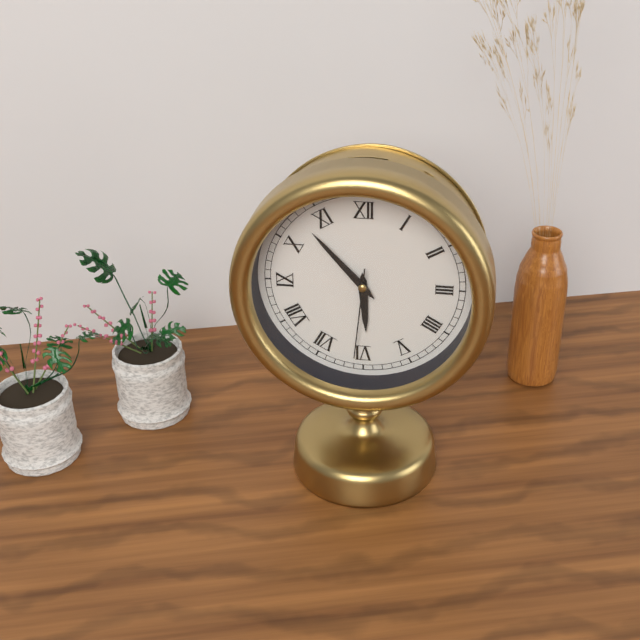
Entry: h=5 m=53 s=31
